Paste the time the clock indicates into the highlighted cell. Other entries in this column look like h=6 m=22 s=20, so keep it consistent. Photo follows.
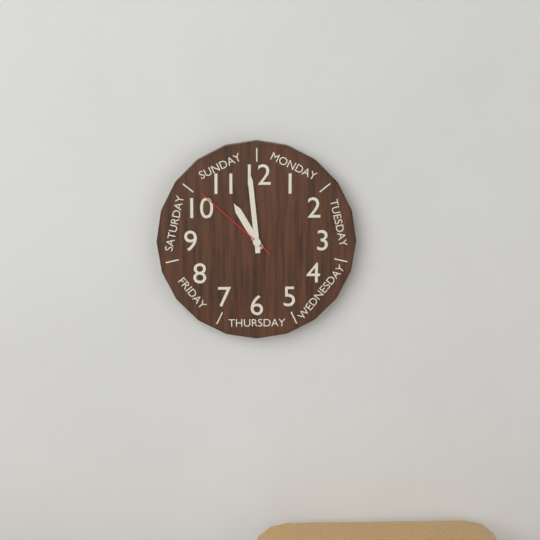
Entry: h=10 m=59 s=52
